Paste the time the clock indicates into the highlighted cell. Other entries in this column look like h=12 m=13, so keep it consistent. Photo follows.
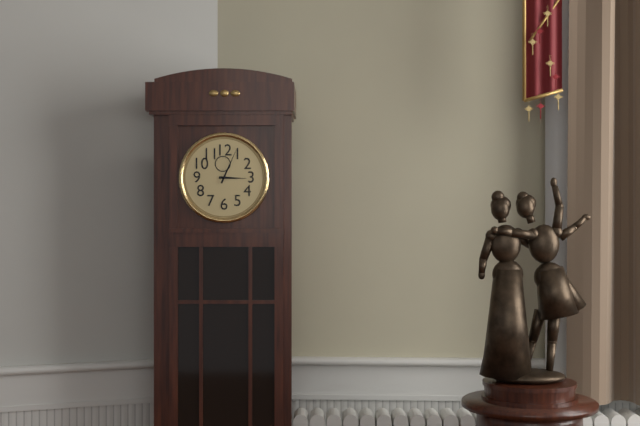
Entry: h=3 m=4
